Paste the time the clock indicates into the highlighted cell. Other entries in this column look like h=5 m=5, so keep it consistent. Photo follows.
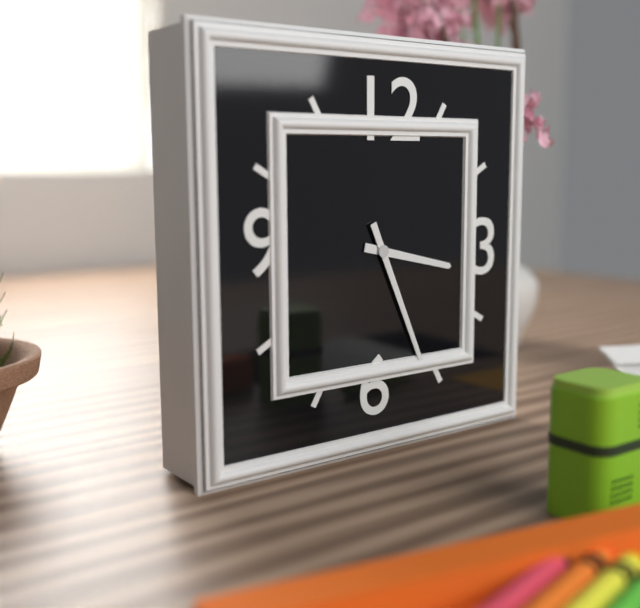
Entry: h=3 m=26
